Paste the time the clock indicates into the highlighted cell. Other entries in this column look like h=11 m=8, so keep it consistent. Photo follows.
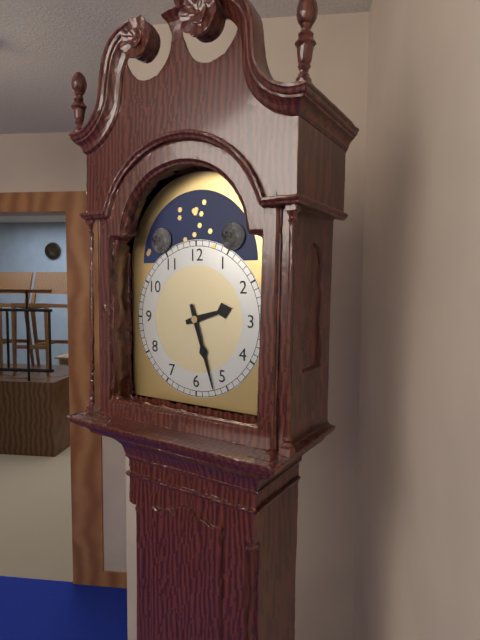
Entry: h=2 m=27
